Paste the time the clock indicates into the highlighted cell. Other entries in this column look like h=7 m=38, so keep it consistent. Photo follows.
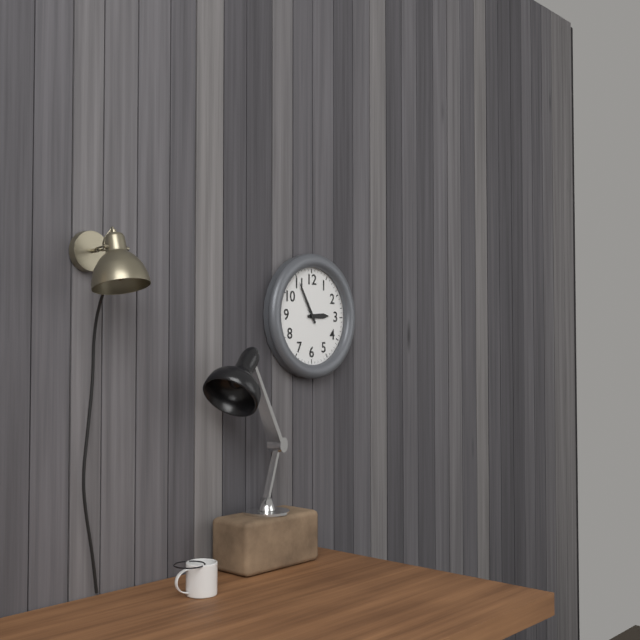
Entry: h=2 m=55
